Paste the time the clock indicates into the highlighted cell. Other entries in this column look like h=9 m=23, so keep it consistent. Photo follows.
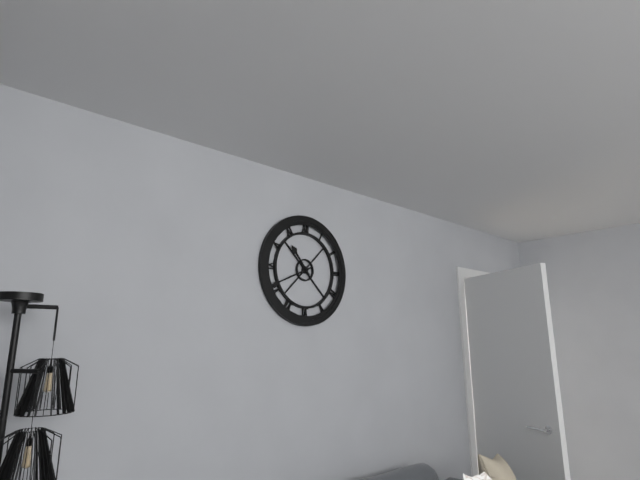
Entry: h=10 m=41
